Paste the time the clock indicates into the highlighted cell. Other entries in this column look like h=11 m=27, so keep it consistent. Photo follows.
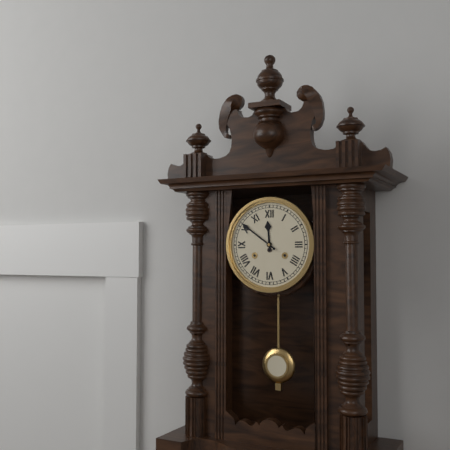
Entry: h=11 m=51
